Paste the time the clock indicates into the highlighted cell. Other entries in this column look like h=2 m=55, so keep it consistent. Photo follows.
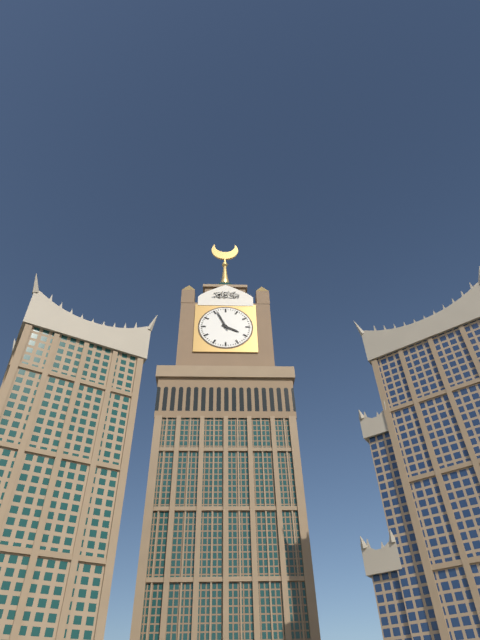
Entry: h=3 m=56
